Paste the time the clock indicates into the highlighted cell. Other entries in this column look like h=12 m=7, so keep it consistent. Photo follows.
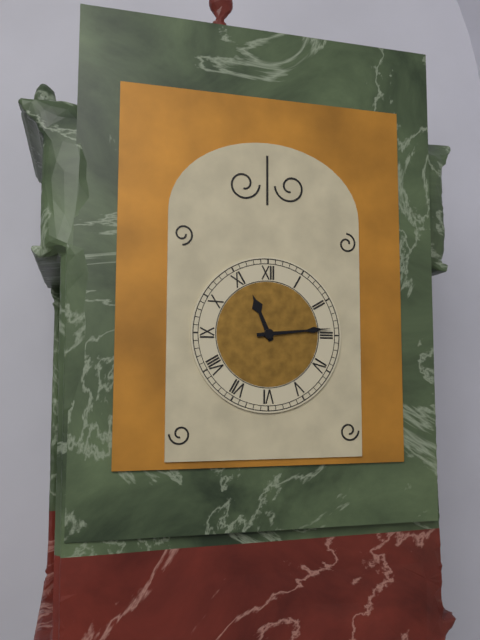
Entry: h=11 m=14
